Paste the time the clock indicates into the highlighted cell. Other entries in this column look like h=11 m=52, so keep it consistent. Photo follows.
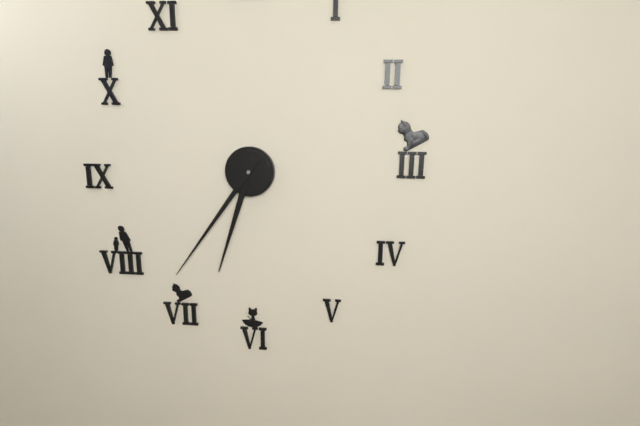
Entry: h=6 m=36
